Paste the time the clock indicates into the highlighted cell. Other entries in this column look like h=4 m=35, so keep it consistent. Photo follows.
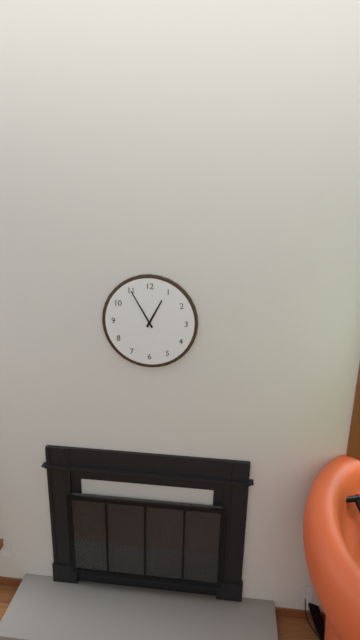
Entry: h=12 m=55
